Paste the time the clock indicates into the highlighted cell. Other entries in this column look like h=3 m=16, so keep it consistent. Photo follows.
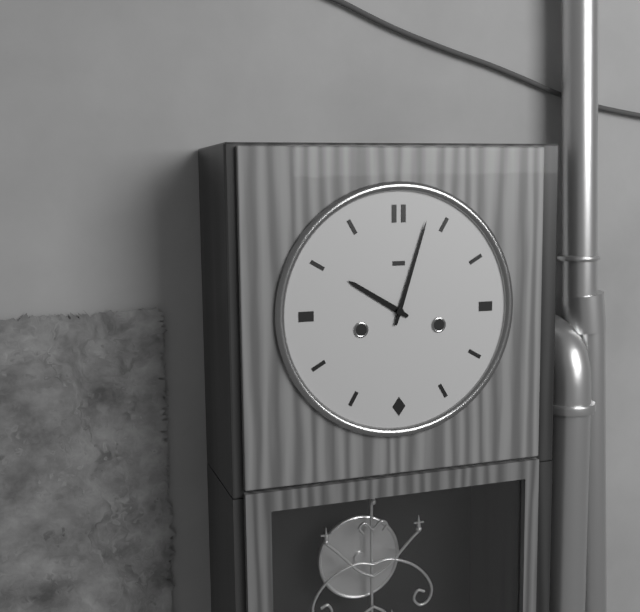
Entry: h=10 m=3
